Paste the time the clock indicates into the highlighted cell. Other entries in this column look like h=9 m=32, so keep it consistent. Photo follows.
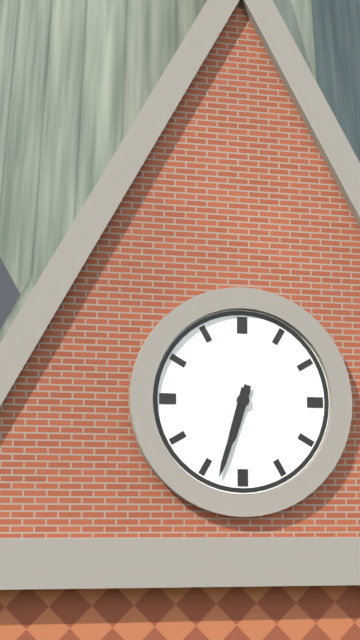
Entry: h=6 m=33
